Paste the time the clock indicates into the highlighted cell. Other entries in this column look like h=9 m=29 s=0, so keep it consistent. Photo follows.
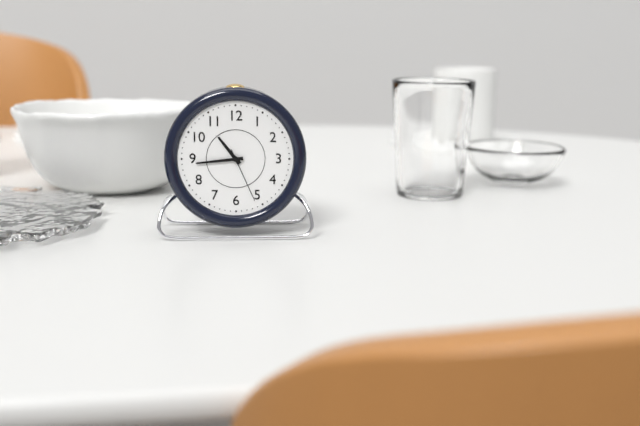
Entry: h=10 m=44 s=26
